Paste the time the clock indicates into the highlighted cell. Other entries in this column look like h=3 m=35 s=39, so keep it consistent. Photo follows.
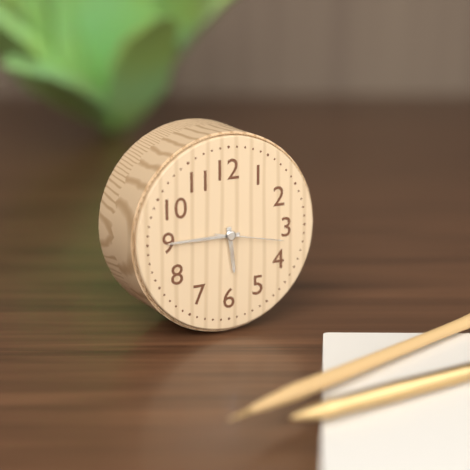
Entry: h=5 m=45 s=17
